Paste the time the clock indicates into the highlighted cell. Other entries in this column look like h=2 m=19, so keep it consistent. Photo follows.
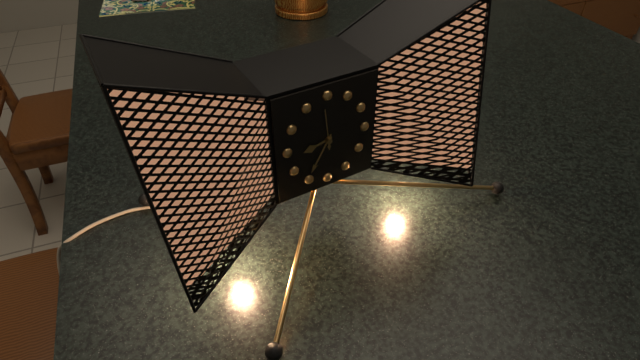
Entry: h=8 m=35
